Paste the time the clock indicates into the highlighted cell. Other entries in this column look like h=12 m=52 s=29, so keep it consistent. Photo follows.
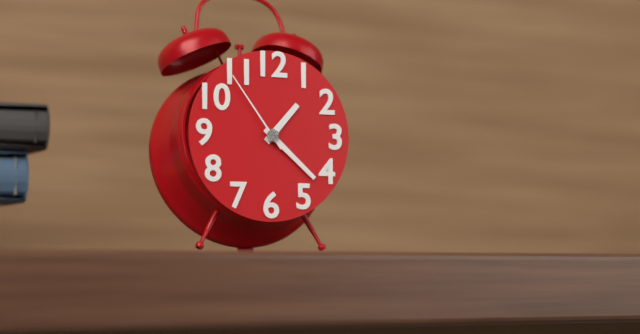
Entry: h=1 m=22 s=54
